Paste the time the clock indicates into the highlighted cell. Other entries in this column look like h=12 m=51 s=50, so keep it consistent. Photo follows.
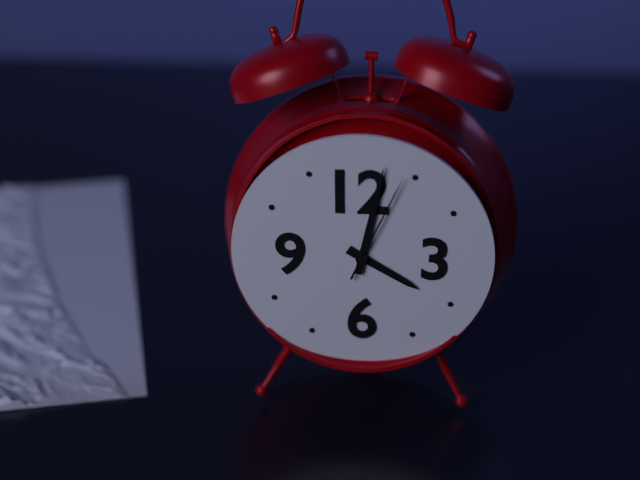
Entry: h=4 m=2 s=4
